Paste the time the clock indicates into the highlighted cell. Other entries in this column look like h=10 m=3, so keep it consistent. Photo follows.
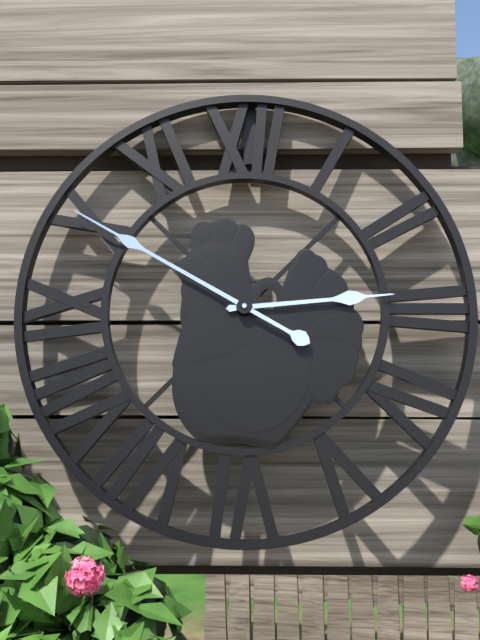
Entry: h=2 m=50
